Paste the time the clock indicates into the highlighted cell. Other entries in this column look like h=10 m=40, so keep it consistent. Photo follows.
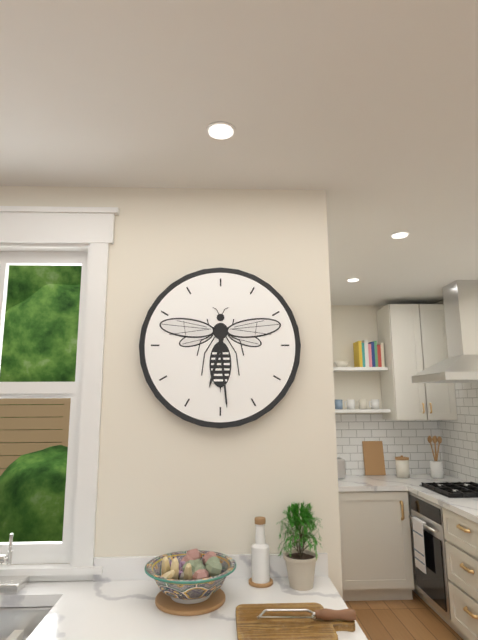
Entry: h=6 m=29
